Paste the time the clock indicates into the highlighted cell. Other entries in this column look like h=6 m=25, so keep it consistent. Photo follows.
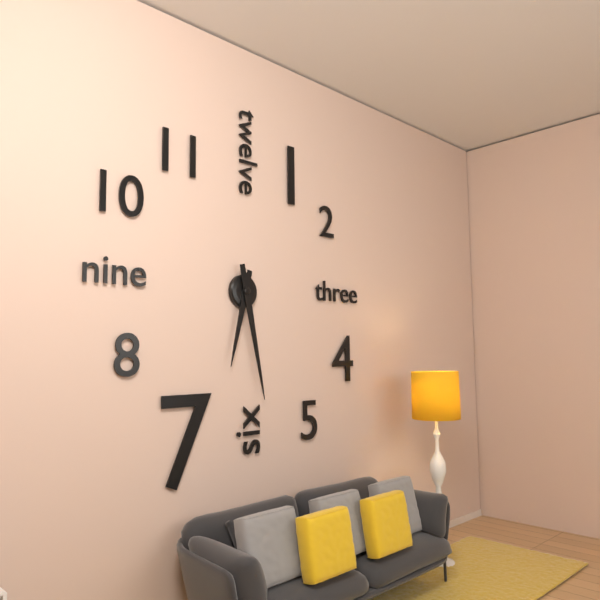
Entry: h=6 m=28
